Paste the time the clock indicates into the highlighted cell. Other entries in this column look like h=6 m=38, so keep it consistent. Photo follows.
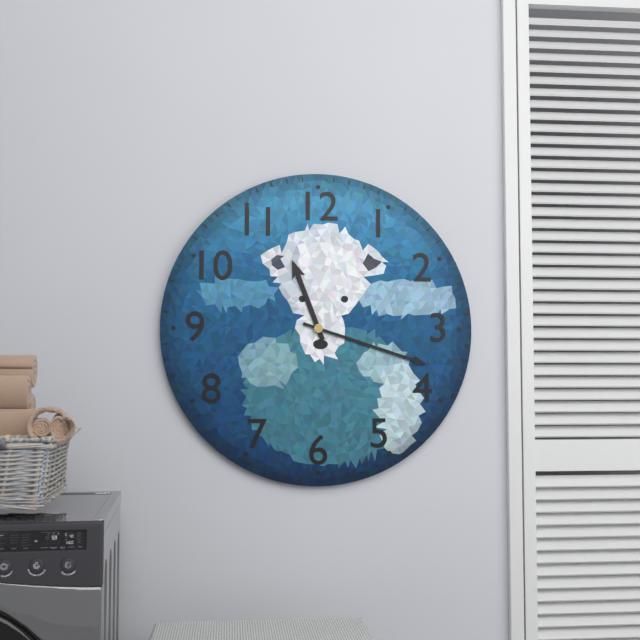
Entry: h=11 m=18
